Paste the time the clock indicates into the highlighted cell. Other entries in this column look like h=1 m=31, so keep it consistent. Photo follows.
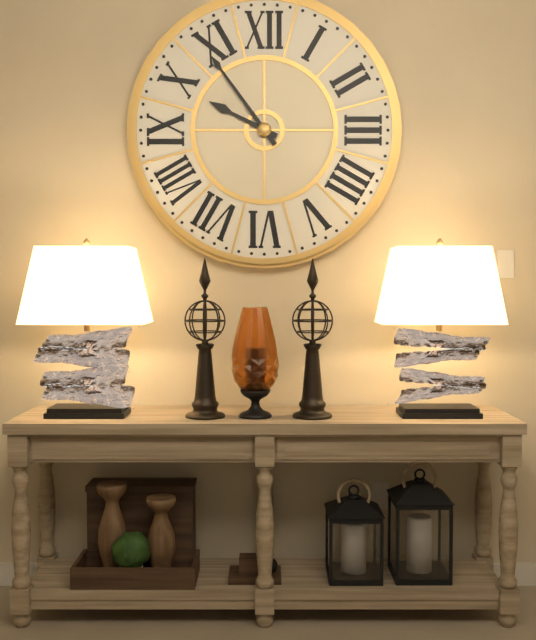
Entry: h=9 m=54
